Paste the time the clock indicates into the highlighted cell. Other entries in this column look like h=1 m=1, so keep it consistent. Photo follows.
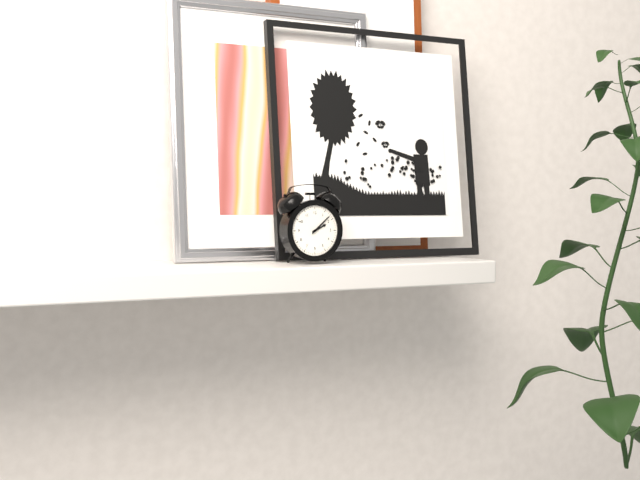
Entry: h=2 m=8
